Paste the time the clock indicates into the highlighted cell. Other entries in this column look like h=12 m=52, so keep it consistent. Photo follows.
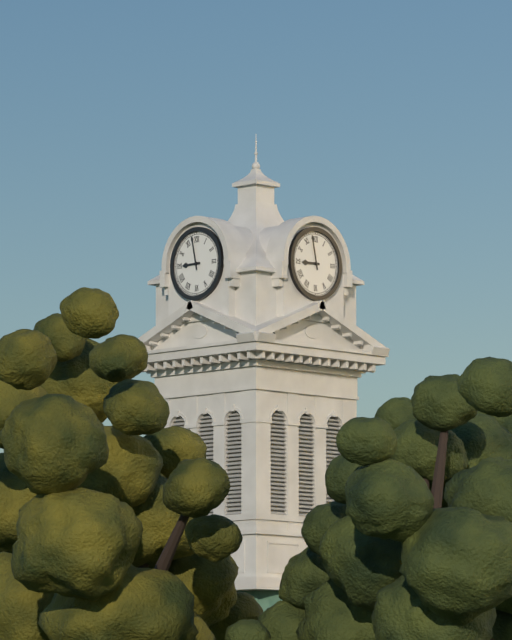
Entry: h=8 m=58
